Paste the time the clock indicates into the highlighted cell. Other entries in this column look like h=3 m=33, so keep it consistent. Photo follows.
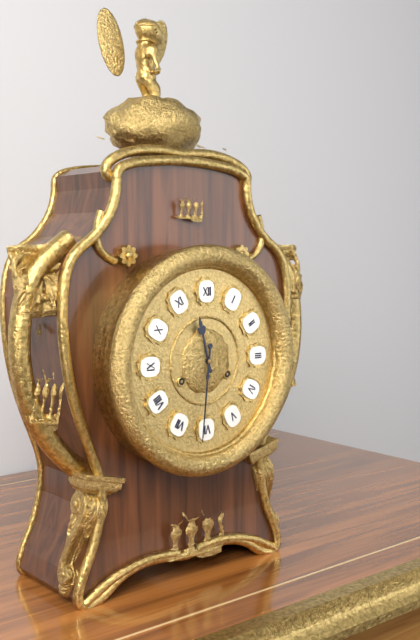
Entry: h=11 m=31
